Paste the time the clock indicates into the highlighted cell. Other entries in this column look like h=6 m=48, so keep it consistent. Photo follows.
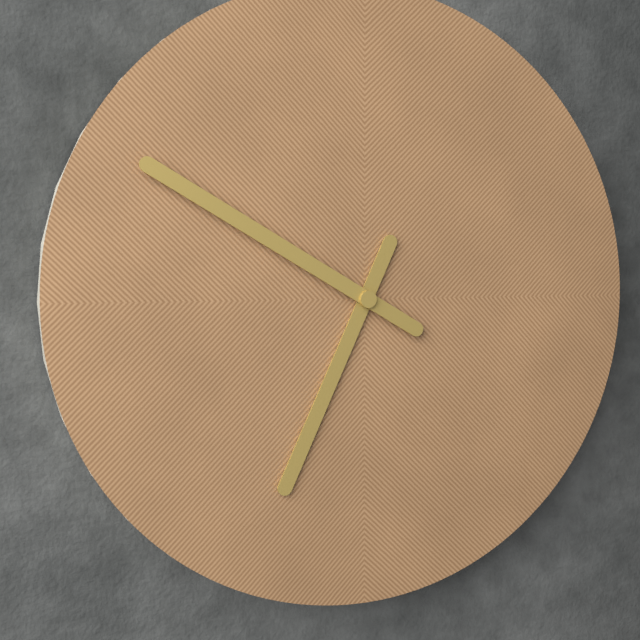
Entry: h=6 m=50
